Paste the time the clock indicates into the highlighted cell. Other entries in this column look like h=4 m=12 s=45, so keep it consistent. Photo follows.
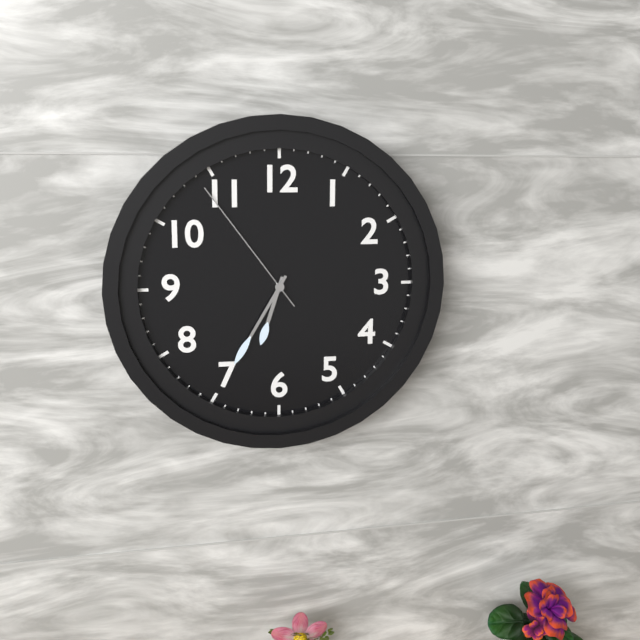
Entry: h=6 m=35 s=54
